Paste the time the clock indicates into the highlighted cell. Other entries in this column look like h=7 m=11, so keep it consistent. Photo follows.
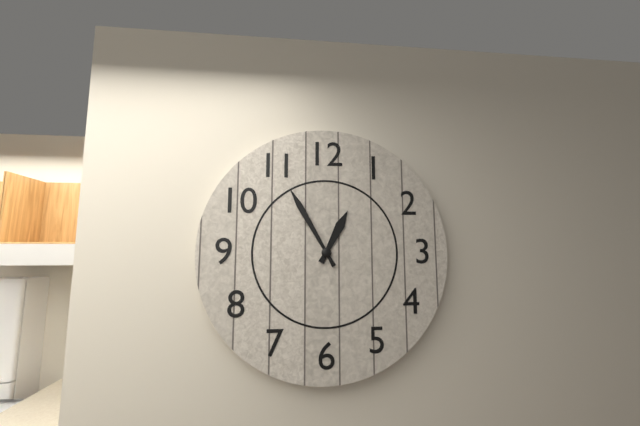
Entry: h=12 m=55
